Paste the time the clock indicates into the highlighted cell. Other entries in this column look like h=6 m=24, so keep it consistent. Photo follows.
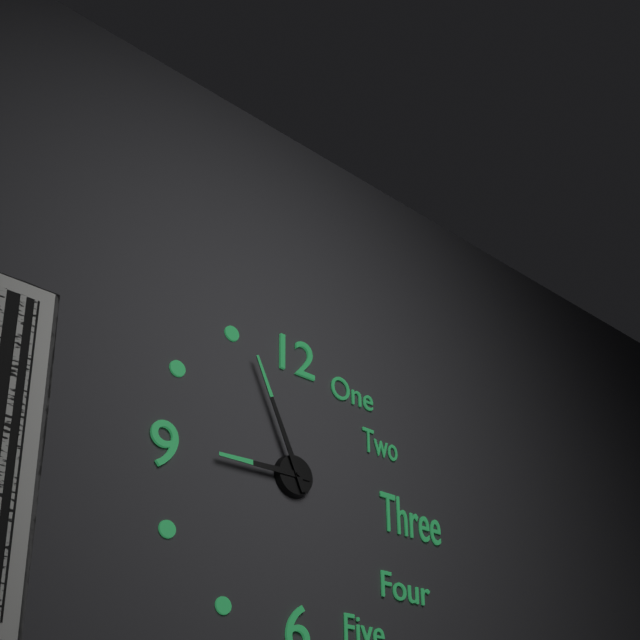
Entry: h=8 m=56
